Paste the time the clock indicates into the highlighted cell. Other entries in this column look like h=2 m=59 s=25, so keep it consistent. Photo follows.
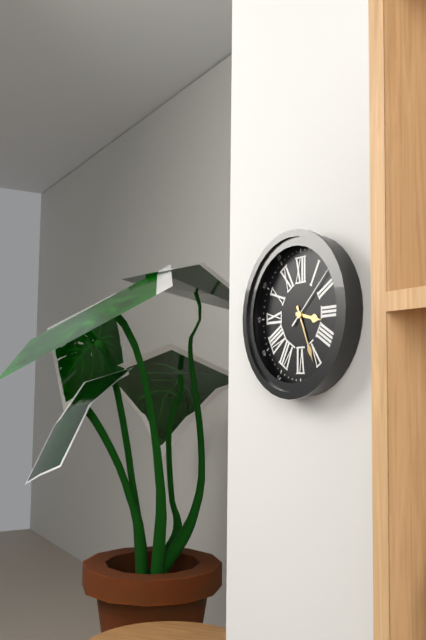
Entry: h=3 m=26 s=8
